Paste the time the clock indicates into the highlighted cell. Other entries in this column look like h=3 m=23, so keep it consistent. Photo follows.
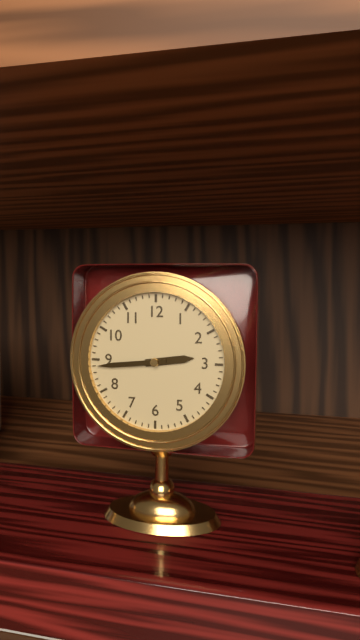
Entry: h=2 m=44
